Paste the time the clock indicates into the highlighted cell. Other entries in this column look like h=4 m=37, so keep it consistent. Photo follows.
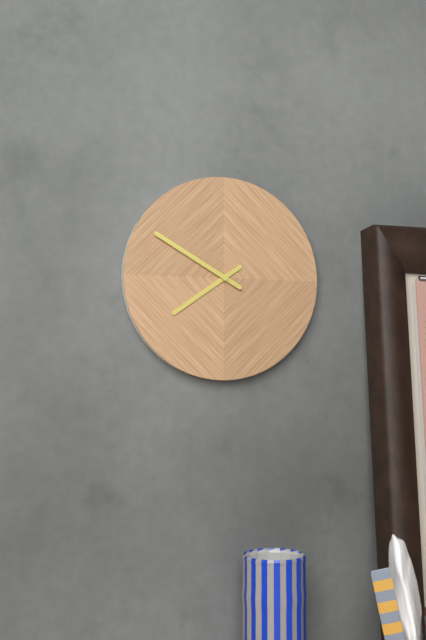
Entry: h=7 m=50
